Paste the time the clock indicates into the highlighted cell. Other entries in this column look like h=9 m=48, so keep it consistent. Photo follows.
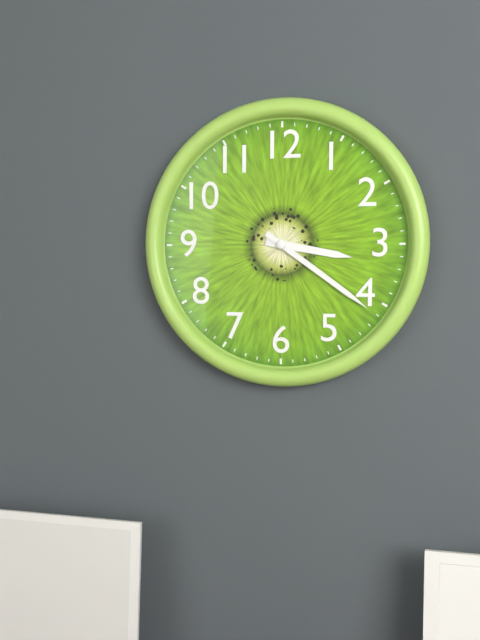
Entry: h=3 m=21
